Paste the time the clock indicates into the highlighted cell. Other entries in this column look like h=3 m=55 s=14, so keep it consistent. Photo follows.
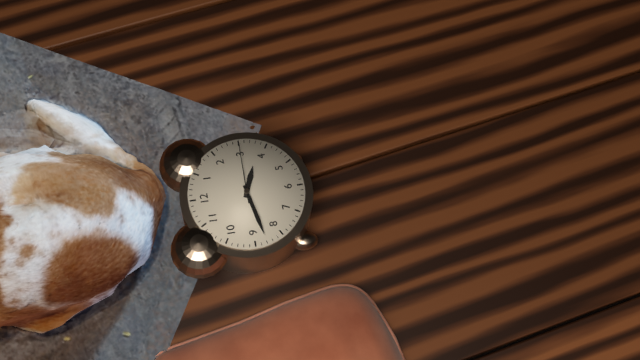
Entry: h=3 m=43 s=15
